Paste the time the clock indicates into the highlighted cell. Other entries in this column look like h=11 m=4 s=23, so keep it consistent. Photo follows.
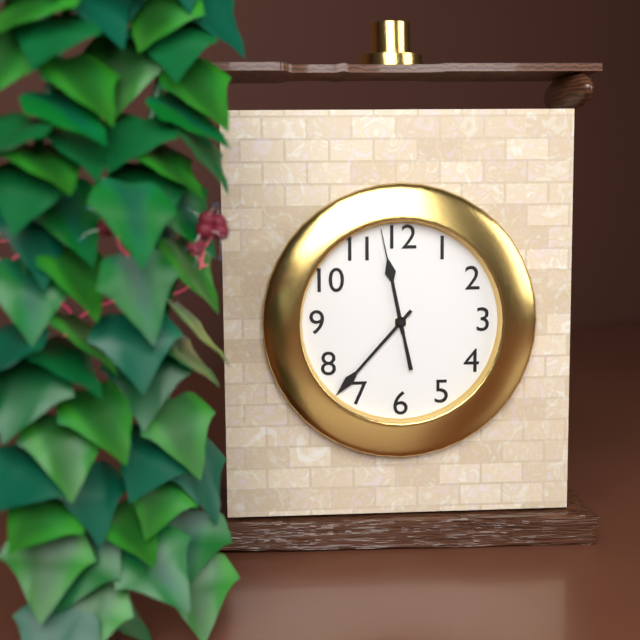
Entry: h=11 m=37 s=58
